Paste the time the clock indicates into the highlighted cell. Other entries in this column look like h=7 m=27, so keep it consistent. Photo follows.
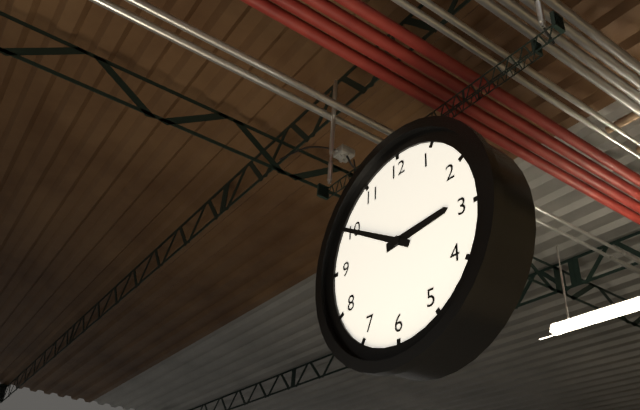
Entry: h=2 m=50
